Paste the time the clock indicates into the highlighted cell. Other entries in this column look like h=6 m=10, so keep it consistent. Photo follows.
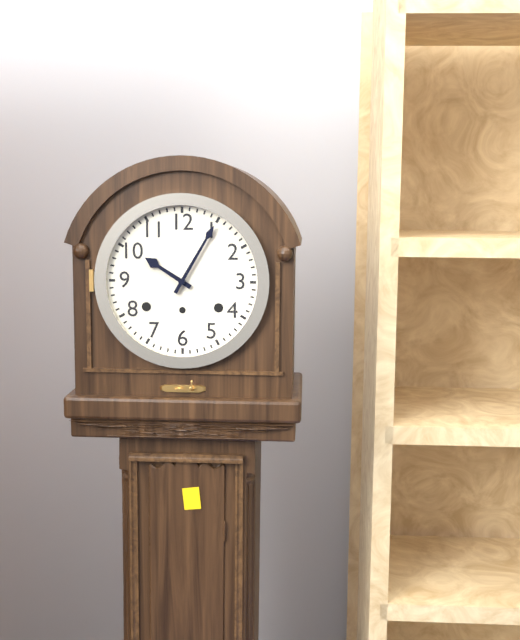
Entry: h=10 m=5
